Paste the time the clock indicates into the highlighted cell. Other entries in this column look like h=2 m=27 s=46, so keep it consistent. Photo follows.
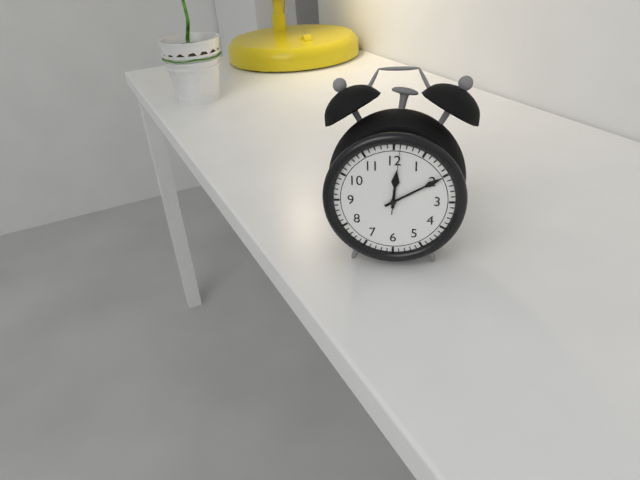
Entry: h=12 m=10 s=1
